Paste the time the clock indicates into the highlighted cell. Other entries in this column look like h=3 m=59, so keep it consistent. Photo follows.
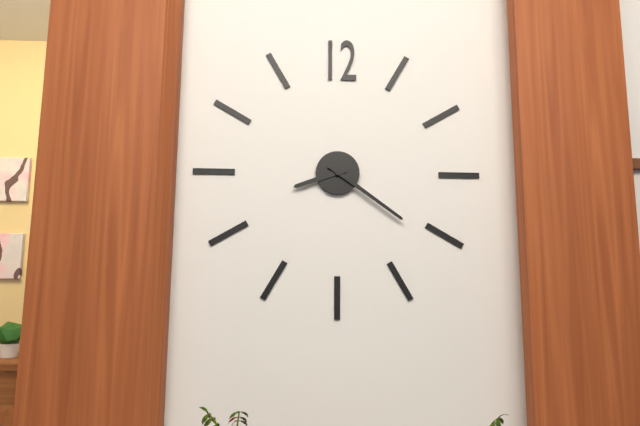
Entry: h=8 m=21
